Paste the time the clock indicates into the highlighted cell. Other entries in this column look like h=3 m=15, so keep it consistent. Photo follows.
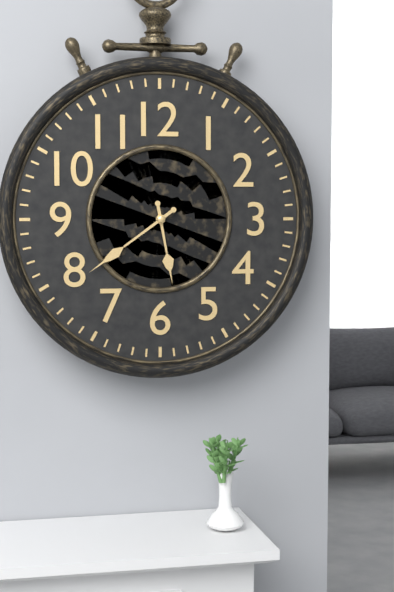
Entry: h=5 m=39
